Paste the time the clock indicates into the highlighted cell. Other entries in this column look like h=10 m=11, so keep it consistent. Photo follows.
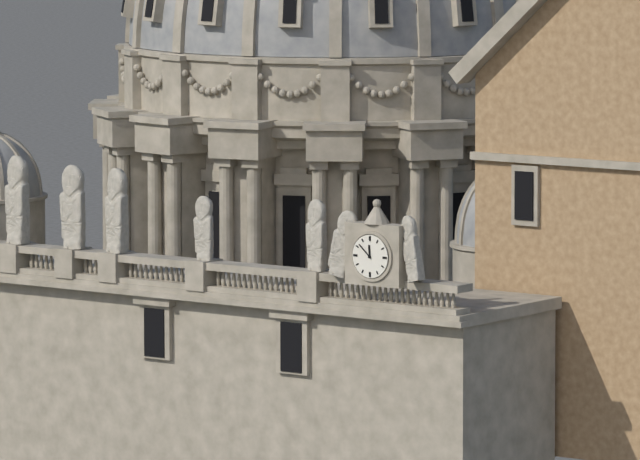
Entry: h=11 m=52
